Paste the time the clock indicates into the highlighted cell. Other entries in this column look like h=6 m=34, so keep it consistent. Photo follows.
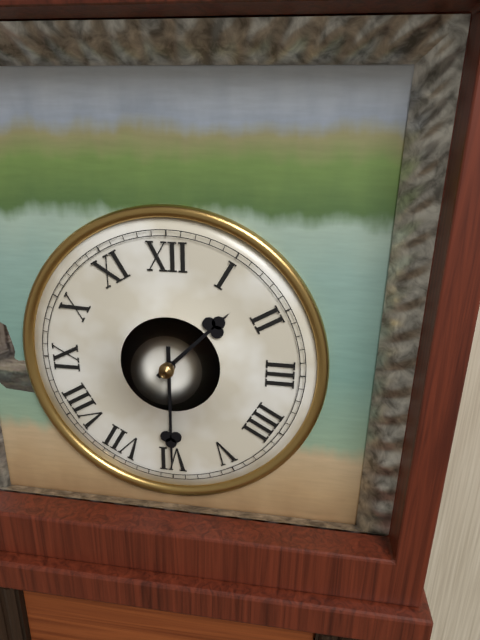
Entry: h=1 m=30
